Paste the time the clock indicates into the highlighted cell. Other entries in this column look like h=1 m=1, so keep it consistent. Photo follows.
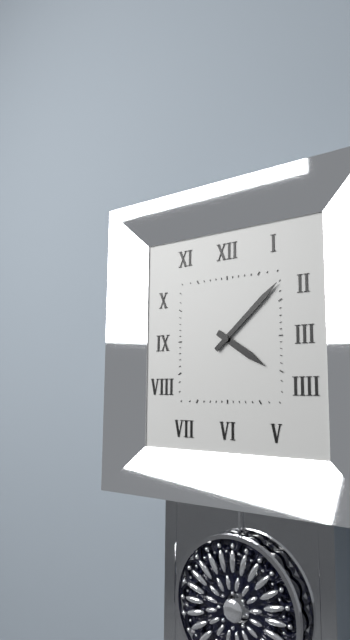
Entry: h=4 m=8
